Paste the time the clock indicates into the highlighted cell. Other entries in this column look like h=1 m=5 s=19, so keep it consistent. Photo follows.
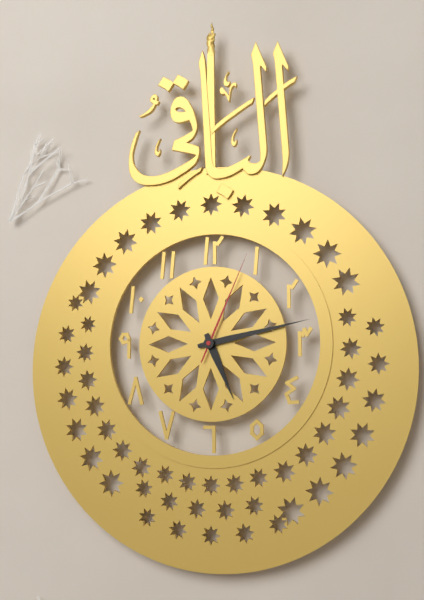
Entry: h=5 m=13 s=4
